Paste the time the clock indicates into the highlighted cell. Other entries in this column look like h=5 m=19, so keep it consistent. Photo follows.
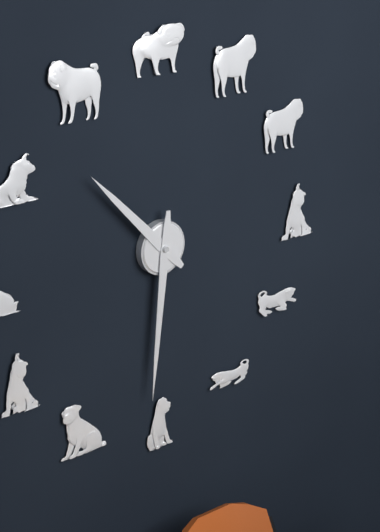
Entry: h=10 m=31
